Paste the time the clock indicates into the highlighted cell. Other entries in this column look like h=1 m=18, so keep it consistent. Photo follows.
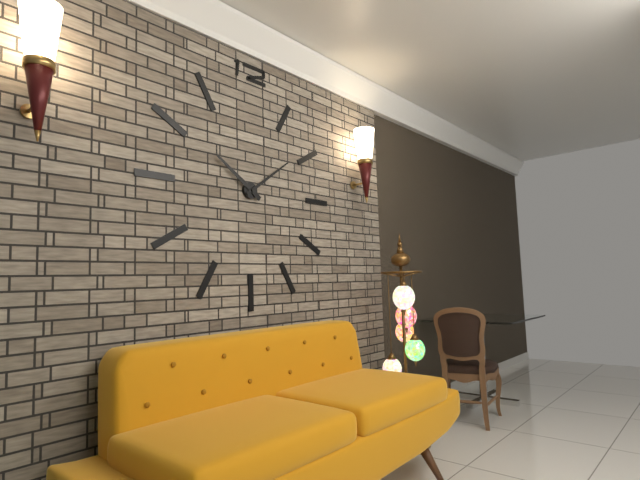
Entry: h=10 m=9
